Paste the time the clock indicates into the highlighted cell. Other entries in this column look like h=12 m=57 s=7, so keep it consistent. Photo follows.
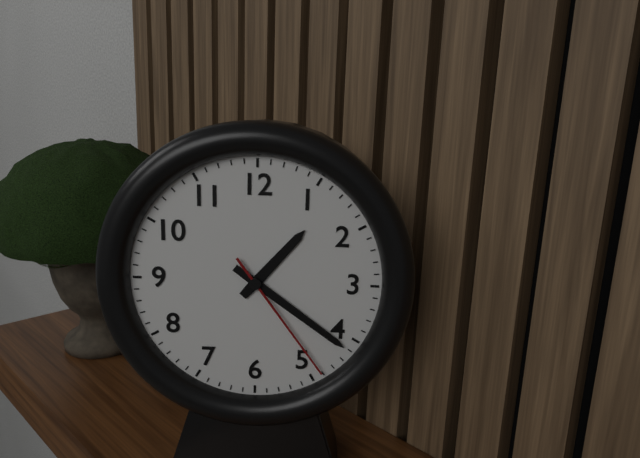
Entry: h=1 m=21 s=24
